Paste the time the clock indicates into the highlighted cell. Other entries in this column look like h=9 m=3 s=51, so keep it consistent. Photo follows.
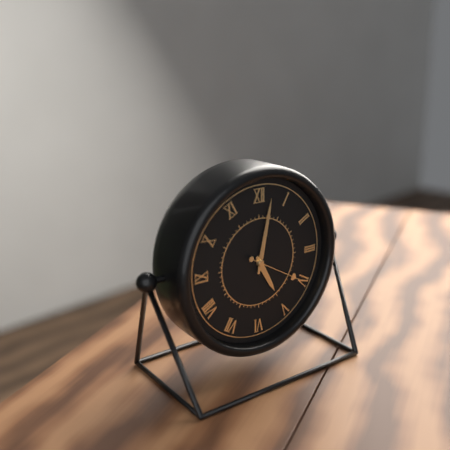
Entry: h=5 m=2 s=20
